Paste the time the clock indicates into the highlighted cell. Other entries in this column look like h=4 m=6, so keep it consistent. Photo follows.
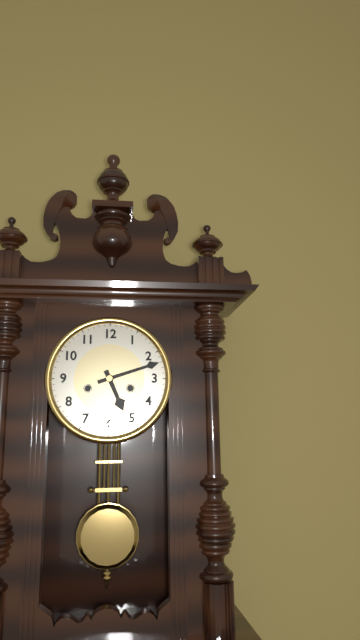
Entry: h=5 m=12
